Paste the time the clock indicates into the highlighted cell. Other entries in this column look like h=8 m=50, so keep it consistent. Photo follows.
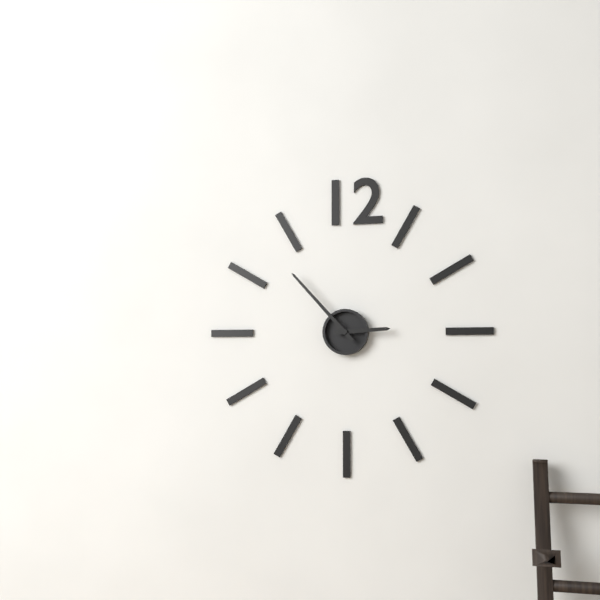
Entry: h=2 m=53
